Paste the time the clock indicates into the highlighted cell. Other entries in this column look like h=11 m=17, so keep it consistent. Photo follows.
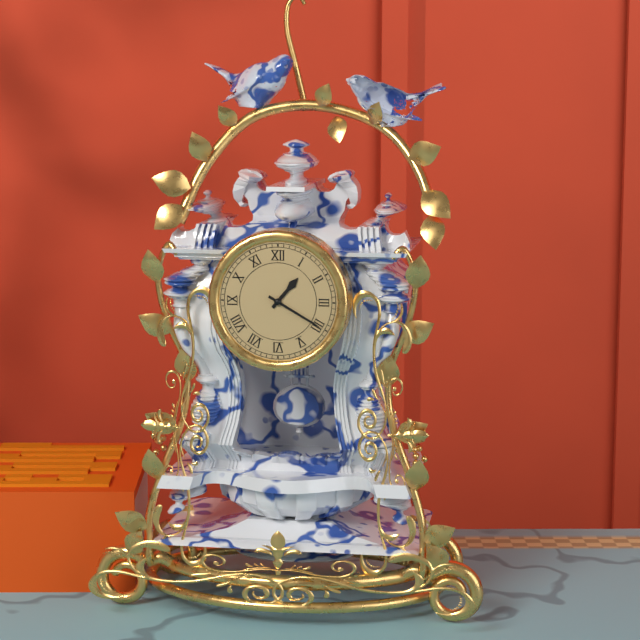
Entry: h=1 m=20
